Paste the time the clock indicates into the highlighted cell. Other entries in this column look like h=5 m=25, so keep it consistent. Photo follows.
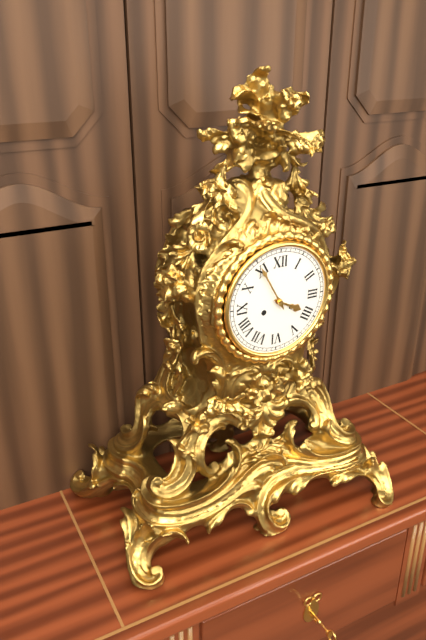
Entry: h=3 m=55
